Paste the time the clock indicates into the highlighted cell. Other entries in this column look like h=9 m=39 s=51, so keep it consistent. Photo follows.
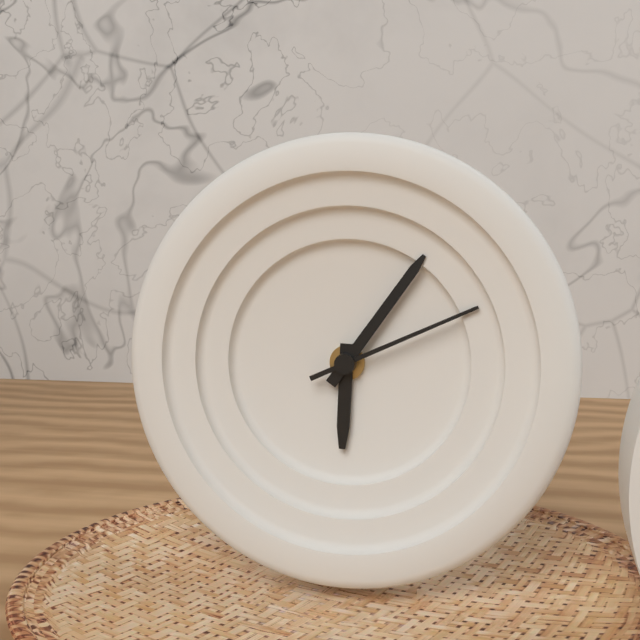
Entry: h=6 m=6 s=11
